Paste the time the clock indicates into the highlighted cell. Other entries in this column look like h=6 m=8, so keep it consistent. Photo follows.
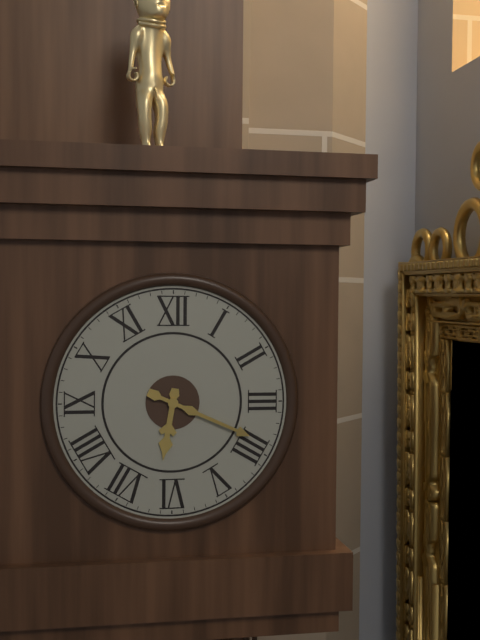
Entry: h=6 m=19
